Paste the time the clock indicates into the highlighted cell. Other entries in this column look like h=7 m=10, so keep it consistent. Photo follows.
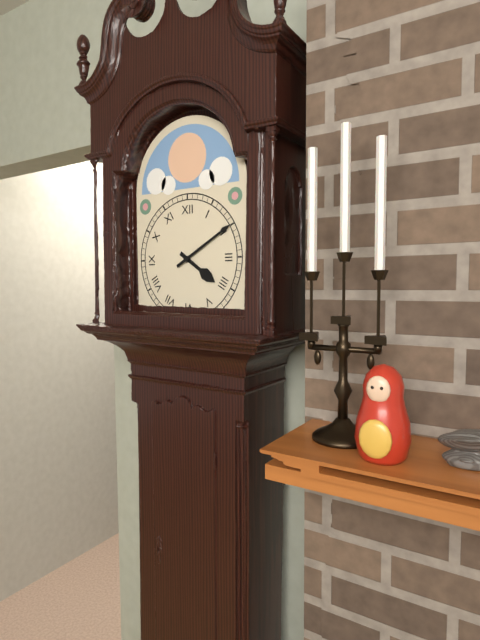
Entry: h=4 m=10
